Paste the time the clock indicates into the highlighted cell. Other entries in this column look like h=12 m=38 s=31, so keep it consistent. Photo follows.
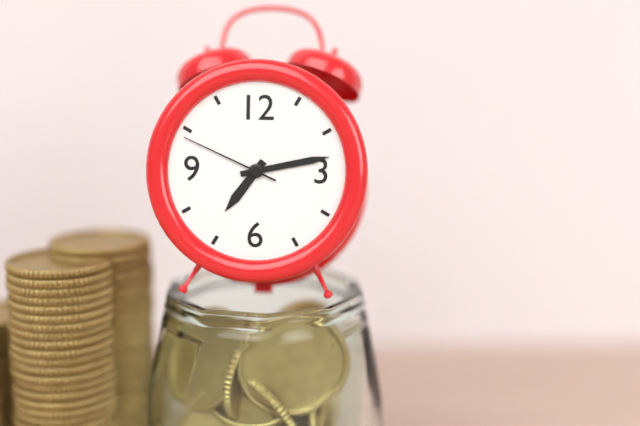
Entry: h=7 m=13 s=49
